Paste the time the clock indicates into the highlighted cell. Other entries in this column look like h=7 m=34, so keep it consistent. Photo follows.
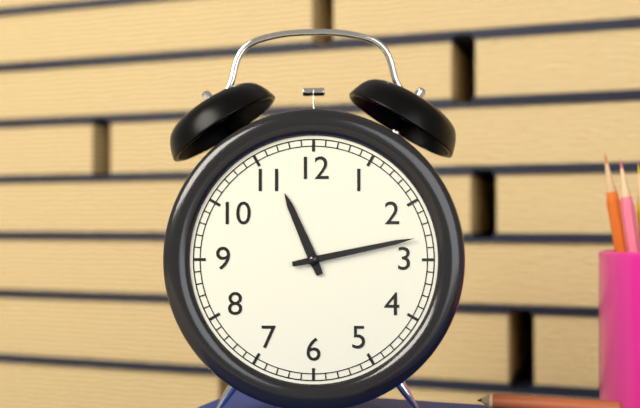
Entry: h=11 m=13
